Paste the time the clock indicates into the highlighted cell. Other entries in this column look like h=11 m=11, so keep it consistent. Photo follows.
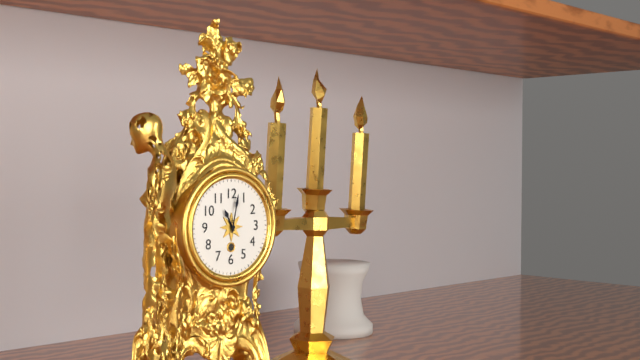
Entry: h=11 m=2
